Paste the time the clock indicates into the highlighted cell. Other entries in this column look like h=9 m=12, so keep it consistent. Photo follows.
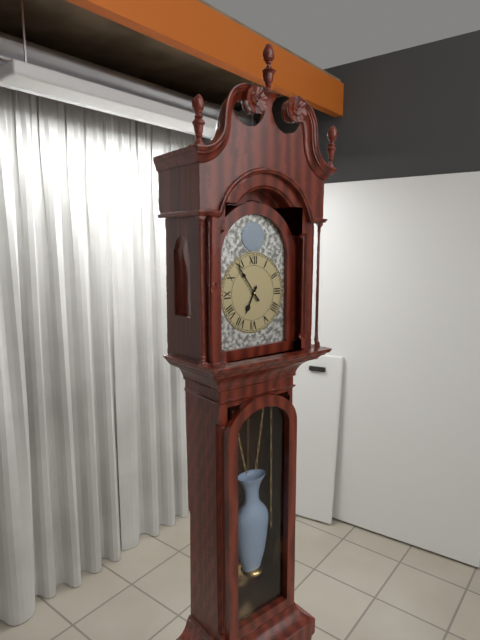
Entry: h=6 m=54
